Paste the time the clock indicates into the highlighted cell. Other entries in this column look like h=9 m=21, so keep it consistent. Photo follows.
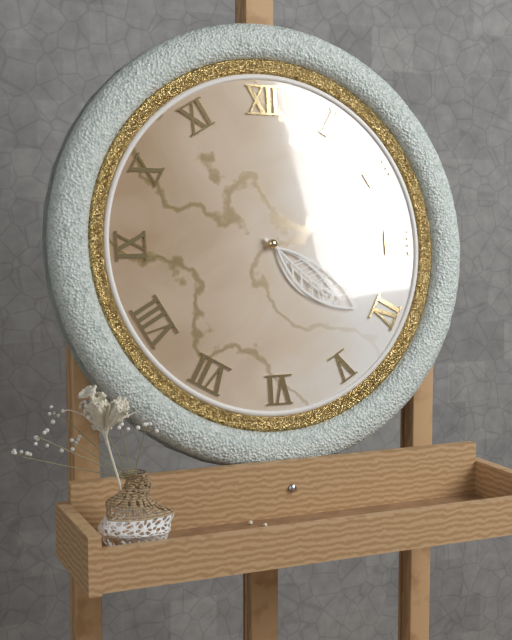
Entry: h=4 m=21
